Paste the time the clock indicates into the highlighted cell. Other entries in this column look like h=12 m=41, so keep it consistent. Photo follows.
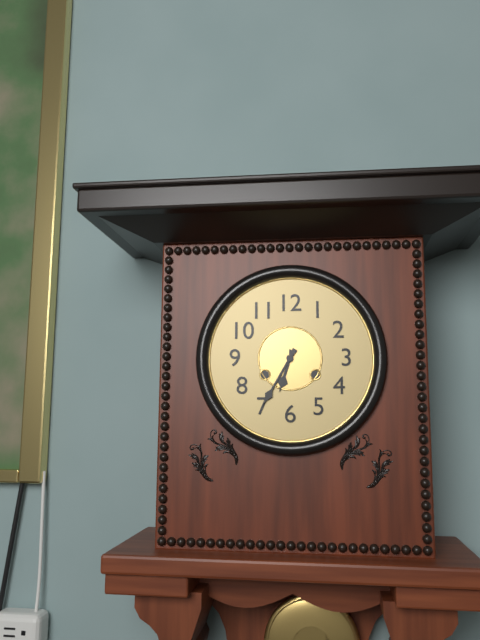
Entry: h=6 m=35
